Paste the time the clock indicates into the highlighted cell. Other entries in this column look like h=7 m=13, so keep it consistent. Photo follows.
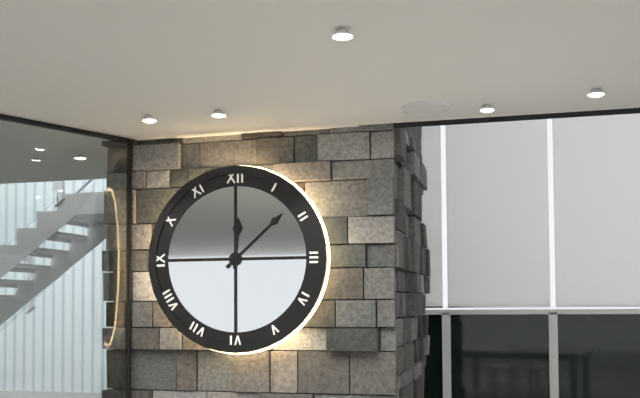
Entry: h=12 m=8
